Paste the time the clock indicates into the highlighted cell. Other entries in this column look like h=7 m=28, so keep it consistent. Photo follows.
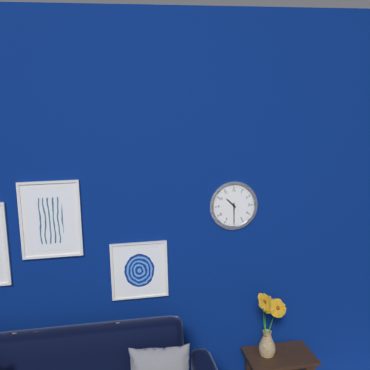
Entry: h=10 m=30
